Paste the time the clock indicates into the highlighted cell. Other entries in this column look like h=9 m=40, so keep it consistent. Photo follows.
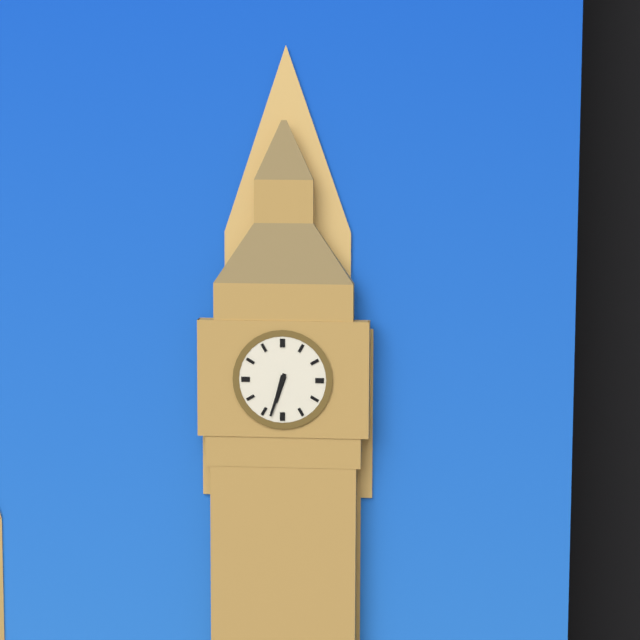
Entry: h=6 m=33
